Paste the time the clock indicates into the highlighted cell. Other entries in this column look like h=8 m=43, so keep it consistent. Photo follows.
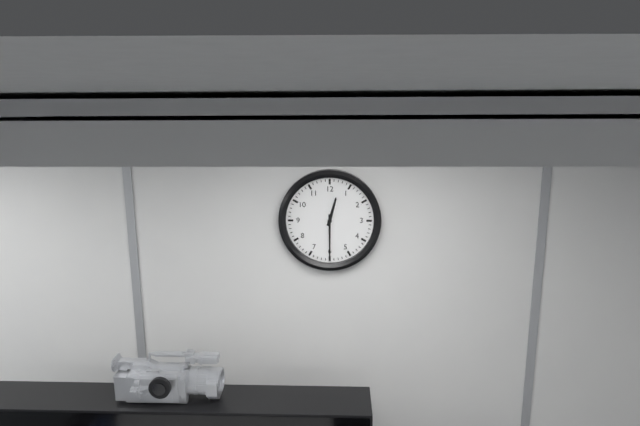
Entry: h=12 m=30
